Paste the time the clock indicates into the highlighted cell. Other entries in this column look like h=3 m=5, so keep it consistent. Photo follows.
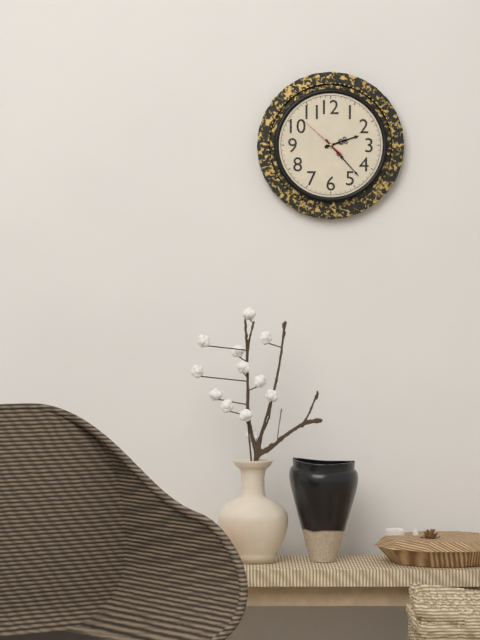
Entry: h=2 m=23
